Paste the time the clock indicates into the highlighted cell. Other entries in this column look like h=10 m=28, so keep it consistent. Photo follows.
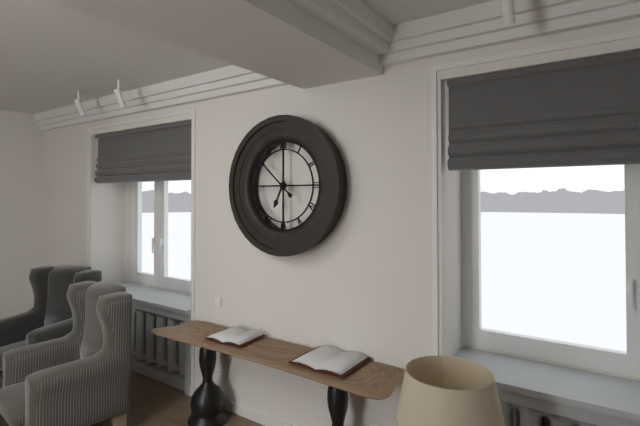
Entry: h=6 m=52
